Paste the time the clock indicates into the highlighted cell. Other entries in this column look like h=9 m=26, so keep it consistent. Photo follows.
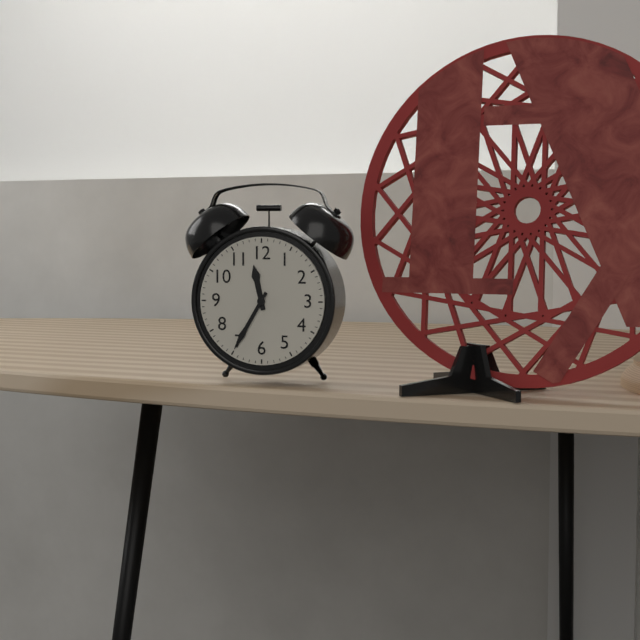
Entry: h=11 m=35
